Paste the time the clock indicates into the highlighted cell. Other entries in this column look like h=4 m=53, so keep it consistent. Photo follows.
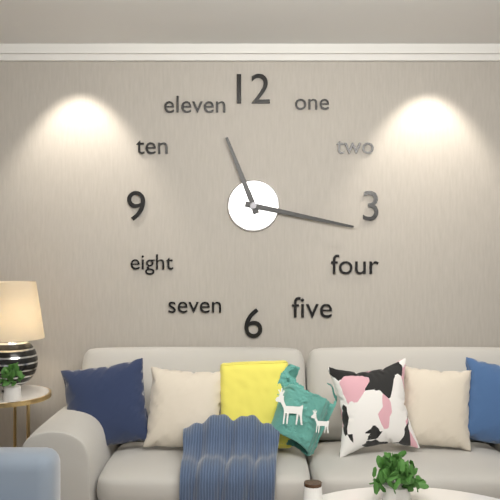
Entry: h=11 m=17
